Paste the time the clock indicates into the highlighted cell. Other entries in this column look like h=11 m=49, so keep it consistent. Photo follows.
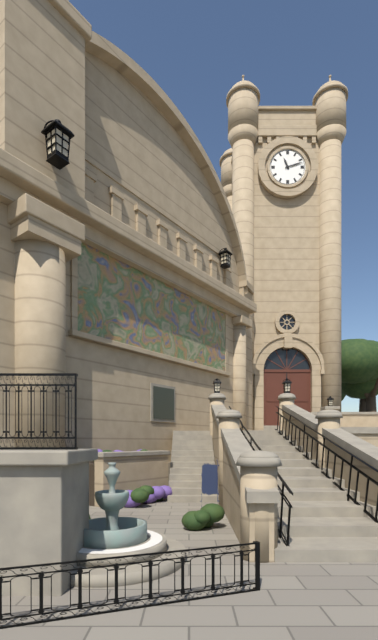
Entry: h=11 m=12
